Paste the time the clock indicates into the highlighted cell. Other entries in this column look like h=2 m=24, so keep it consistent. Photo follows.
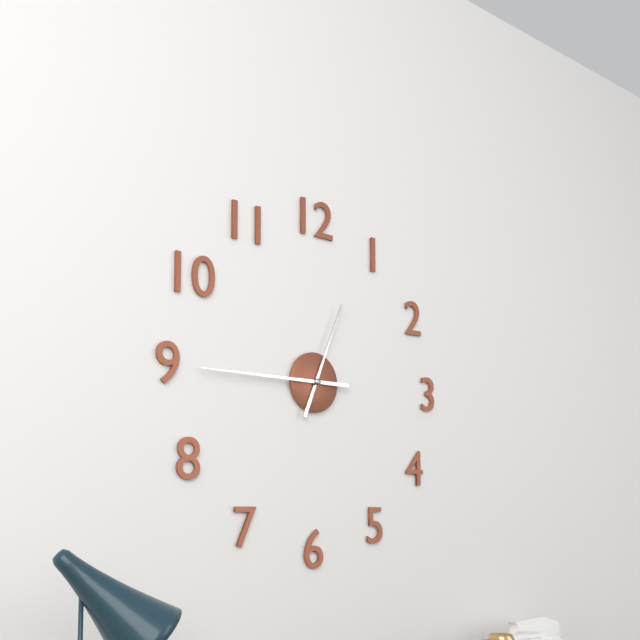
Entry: h=12 m=45
